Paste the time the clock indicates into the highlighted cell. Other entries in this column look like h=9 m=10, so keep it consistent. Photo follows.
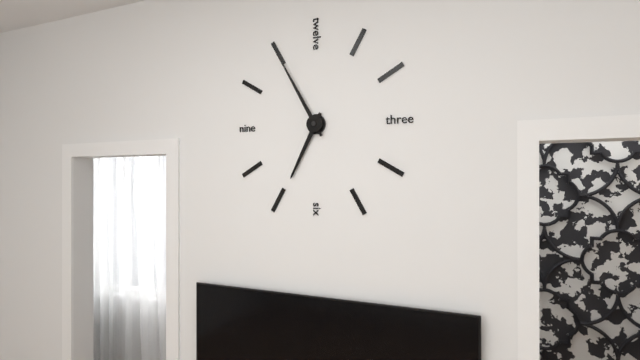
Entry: h=6 m=55
